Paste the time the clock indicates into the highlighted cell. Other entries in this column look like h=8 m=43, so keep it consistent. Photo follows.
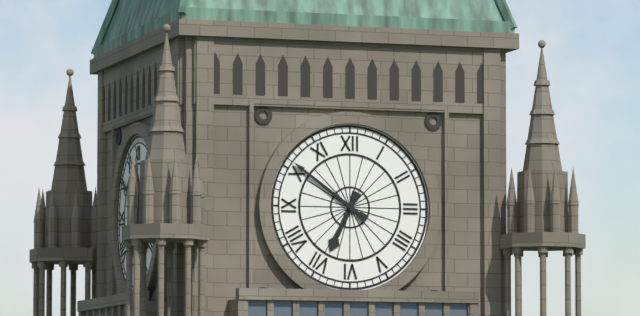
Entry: h=6 m=51
